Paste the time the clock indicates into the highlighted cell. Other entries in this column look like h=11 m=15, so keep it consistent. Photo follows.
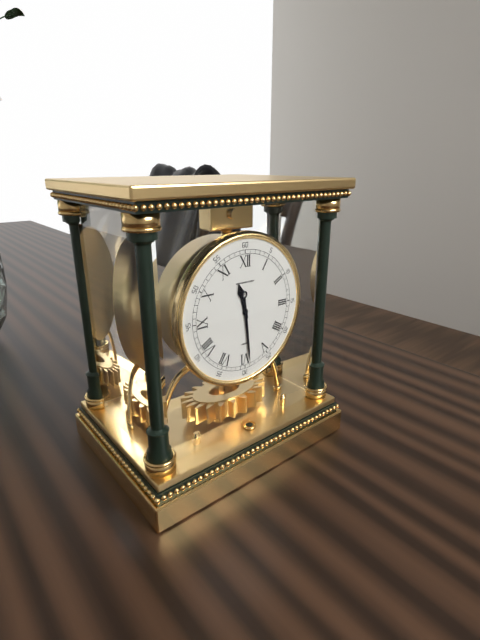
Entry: h=11 m=29
